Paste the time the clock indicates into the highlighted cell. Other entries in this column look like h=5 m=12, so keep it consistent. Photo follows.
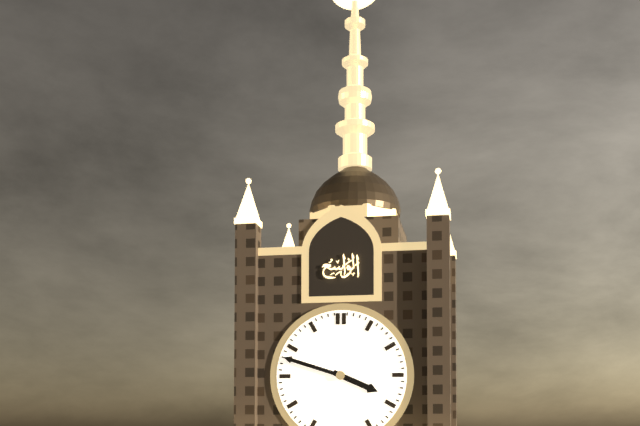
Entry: h=3 m=48
